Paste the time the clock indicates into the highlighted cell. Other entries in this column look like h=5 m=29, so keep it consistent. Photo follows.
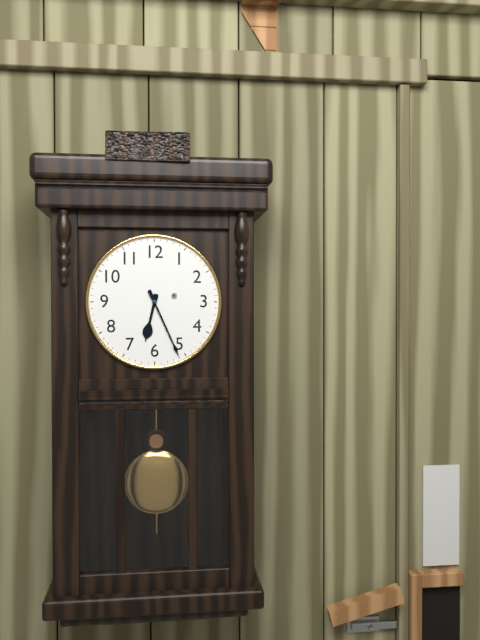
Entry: h=6 m=26
